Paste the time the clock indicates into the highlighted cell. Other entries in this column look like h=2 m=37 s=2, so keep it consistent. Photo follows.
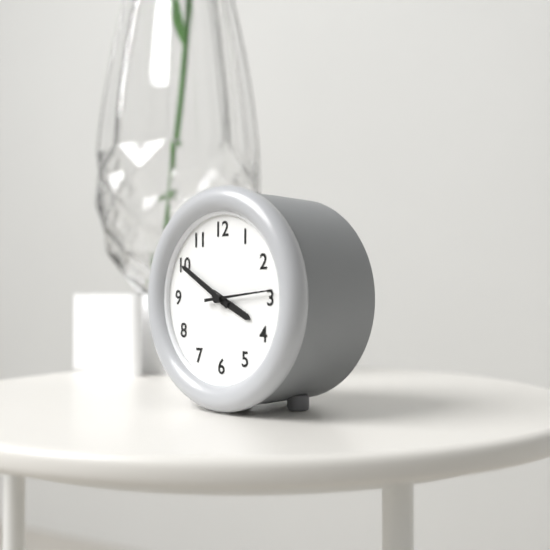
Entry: h=3 m=50 s=14
